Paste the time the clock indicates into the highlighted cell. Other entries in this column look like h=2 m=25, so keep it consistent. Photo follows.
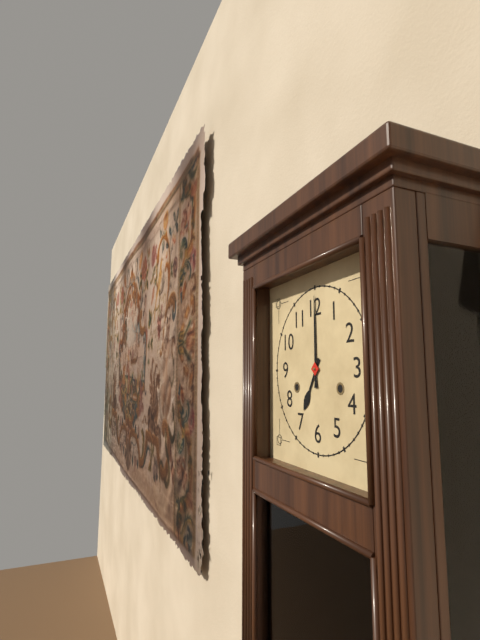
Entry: h=7 m=0
